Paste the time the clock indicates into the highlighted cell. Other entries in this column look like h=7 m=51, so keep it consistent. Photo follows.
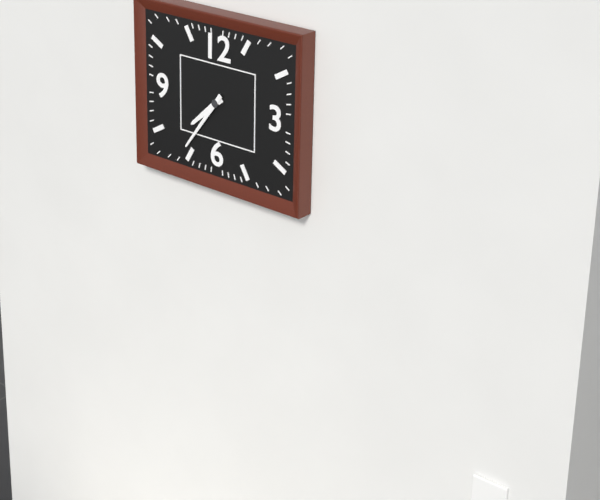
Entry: h=7 m=36
